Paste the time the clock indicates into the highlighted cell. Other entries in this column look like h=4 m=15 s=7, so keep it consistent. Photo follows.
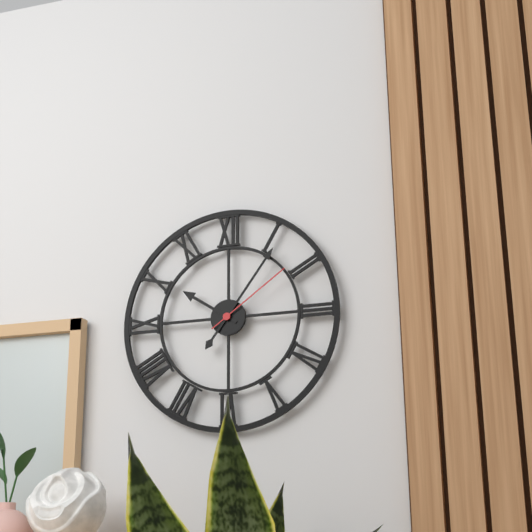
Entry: h=10 m=6 s=9
